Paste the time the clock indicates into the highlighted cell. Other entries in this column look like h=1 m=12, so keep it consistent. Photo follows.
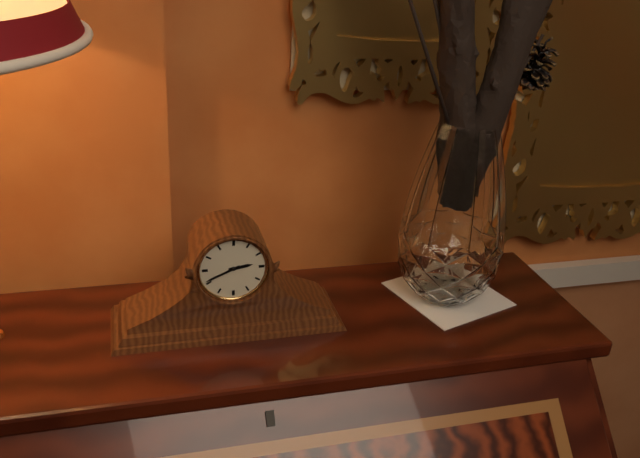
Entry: h=2 m=41
